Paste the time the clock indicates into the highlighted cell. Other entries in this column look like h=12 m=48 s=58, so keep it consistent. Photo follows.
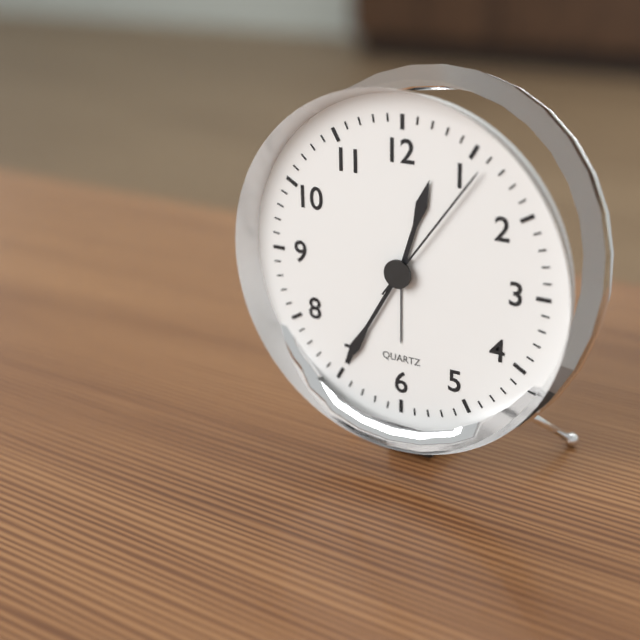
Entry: h=12 m=35 s=6
